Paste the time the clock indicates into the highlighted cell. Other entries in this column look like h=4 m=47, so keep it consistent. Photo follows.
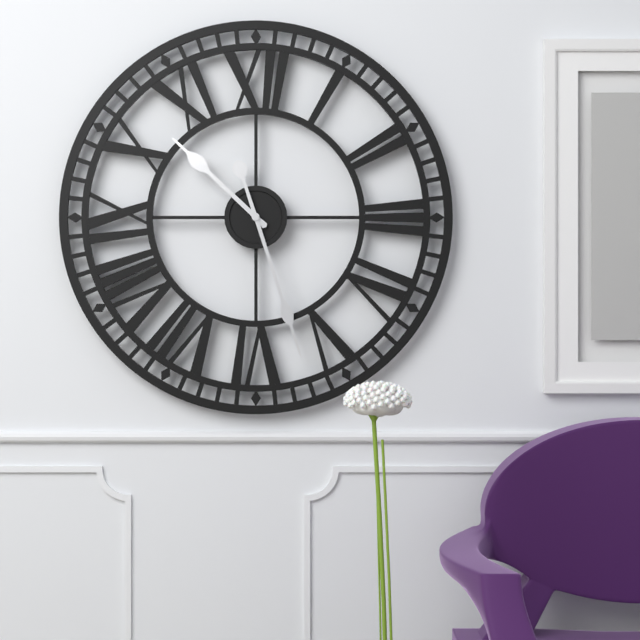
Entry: h=10 m=27
